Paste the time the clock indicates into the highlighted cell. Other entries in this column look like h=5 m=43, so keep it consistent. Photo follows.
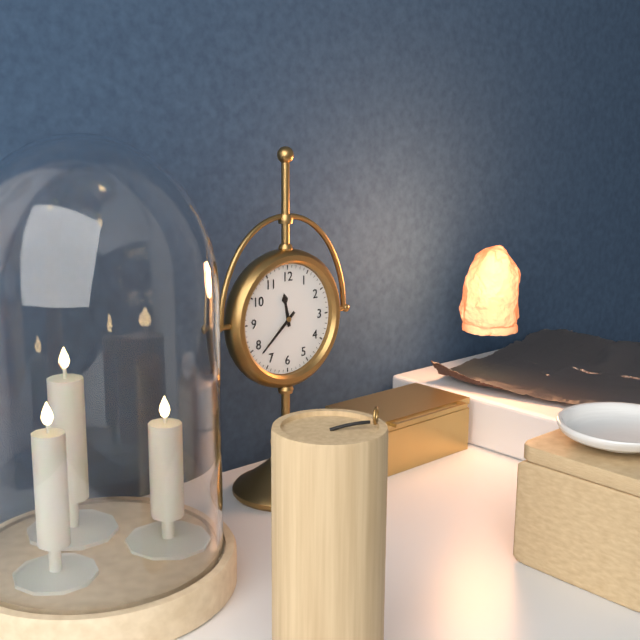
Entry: h=11 m=38
